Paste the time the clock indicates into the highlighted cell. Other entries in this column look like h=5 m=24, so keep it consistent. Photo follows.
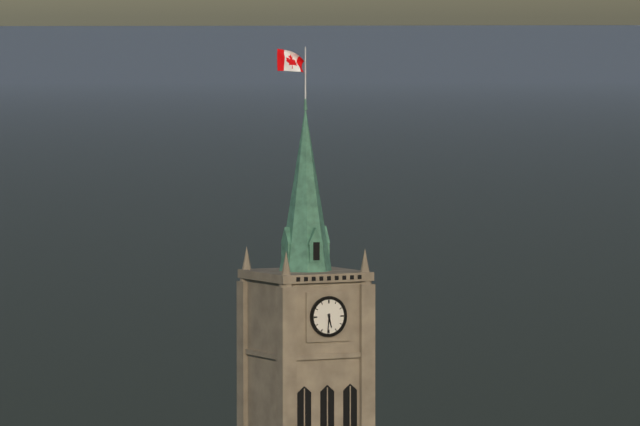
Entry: h=5 m=31
